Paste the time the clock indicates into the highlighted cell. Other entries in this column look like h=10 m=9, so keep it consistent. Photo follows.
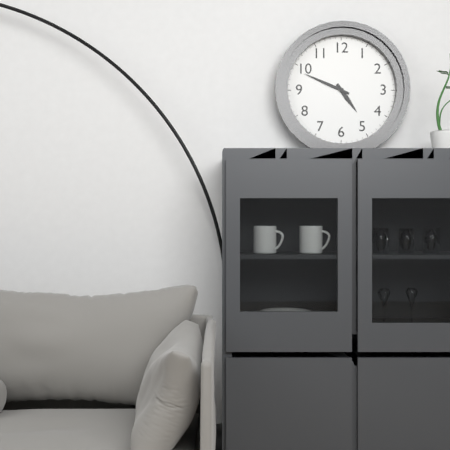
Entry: h=4 m=49
